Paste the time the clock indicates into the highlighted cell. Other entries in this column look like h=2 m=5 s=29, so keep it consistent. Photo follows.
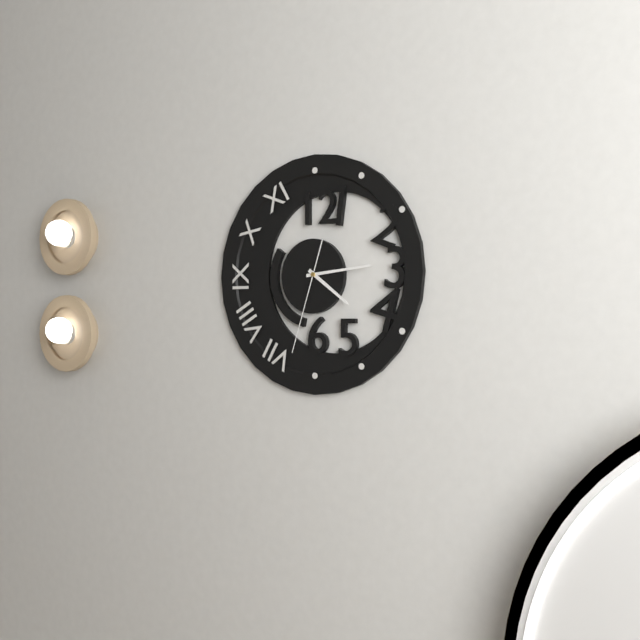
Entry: h=4 m=14 s=33
